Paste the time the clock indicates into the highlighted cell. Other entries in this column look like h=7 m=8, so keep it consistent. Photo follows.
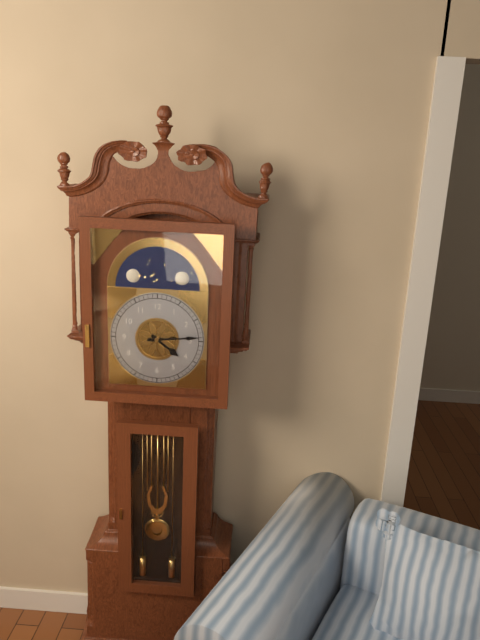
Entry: h=4 m=14
